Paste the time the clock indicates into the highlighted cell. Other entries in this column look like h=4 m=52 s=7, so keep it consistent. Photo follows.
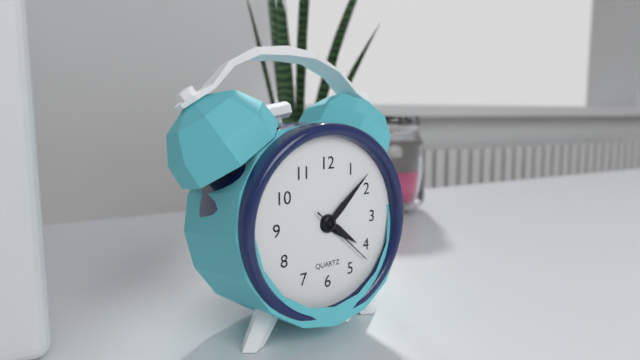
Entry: h=4 m=8 s=22
